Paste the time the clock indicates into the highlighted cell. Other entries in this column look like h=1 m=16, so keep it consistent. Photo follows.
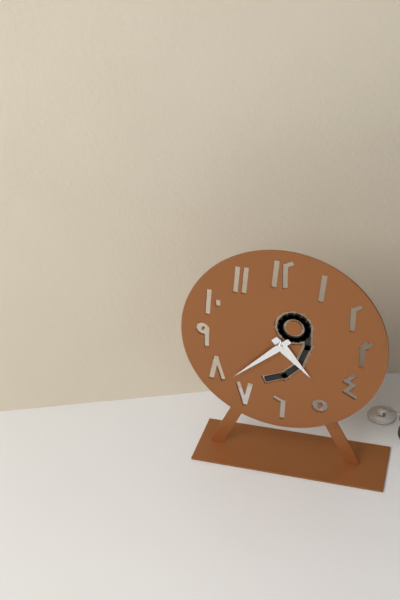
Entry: h=4 m=38
